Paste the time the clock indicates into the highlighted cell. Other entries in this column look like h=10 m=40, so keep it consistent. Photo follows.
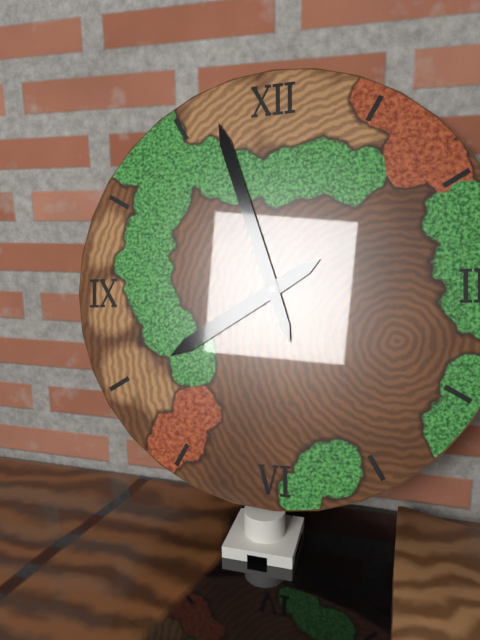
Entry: h=7 m=57
